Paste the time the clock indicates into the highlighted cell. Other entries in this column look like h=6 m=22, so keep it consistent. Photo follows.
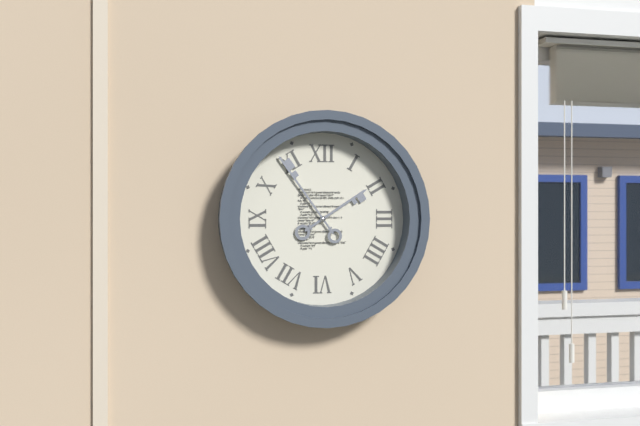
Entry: h=1 m=54
